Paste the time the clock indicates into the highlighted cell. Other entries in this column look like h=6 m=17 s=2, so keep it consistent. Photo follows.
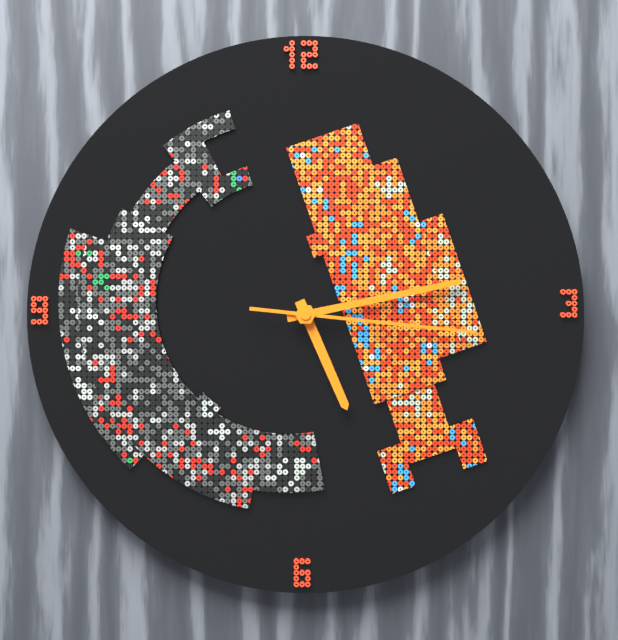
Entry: h=5 m=13 s=16
